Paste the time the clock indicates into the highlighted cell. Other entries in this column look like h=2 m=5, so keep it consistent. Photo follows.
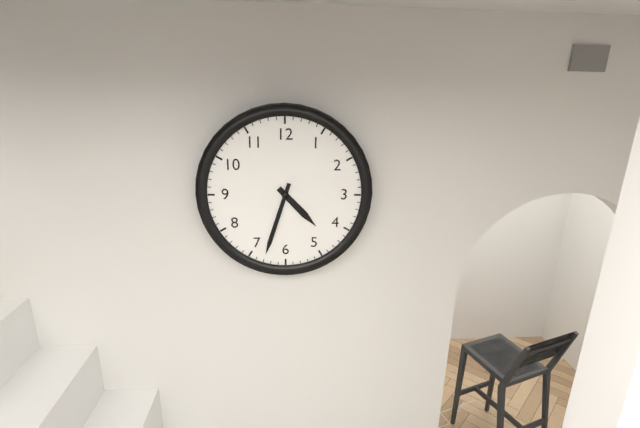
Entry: h=4 m=33
